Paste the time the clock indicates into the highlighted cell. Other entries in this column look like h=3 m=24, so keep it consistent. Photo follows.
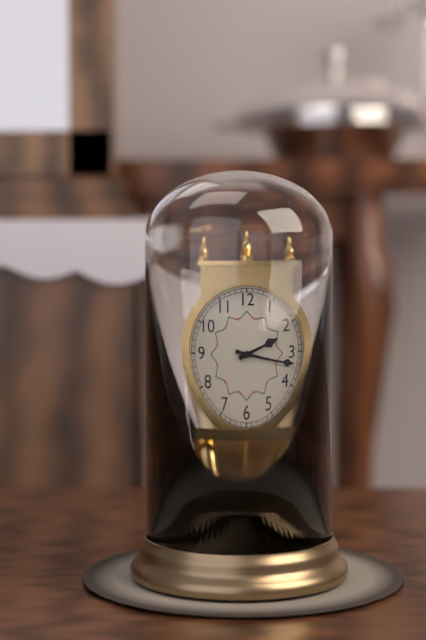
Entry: h=2 m=17
